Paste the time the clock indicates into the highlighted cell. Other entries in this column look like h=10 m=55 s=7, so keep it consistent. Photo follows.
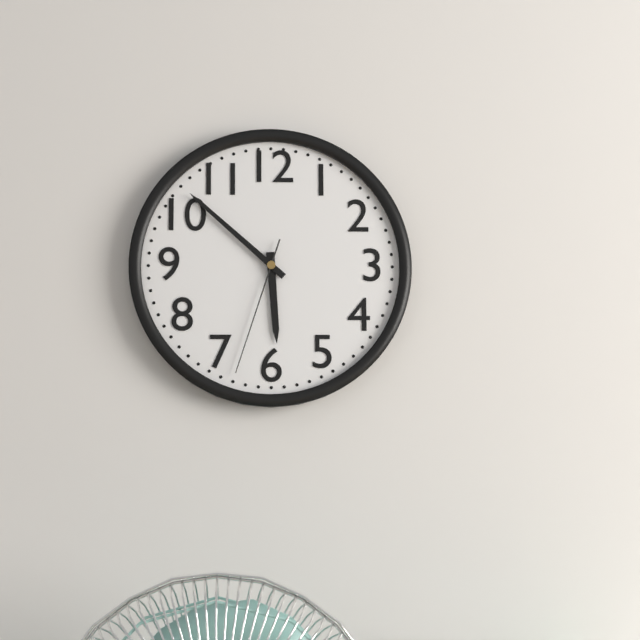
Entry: h=5 m=52 s=33
